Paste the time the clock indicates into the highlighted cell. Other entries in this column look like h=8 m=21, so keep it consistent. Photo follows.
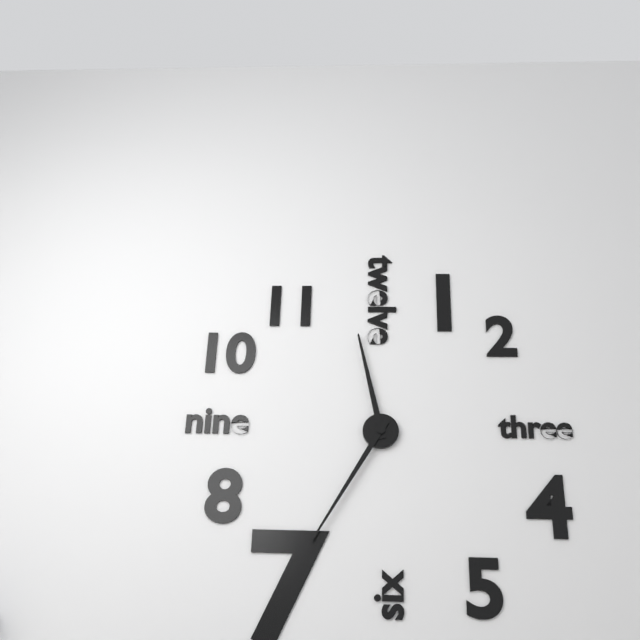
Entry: h=11 m=35
